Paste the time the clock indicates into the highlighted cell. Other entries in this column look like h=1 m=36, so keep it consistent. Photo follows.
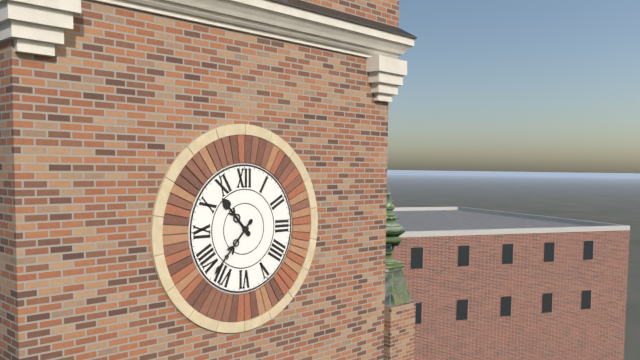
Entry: h=10 m=37
